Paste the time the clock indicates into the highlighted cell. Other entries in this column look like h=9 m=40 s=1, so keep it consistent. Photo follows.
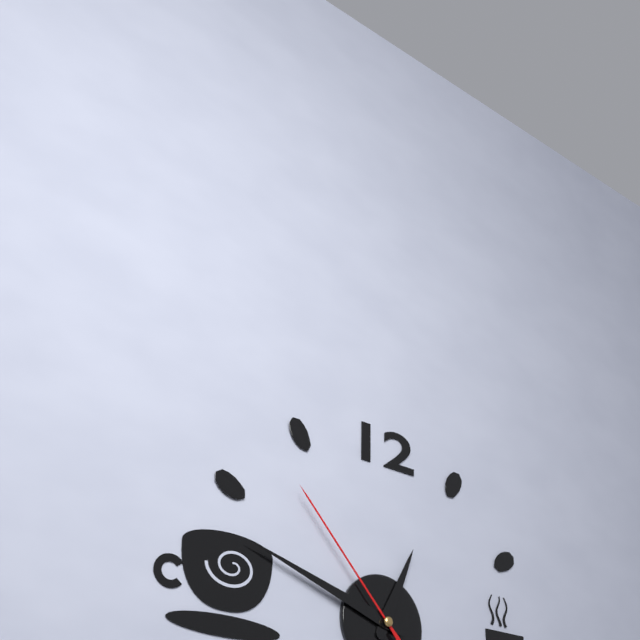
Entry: h=12 m=48 s=53
